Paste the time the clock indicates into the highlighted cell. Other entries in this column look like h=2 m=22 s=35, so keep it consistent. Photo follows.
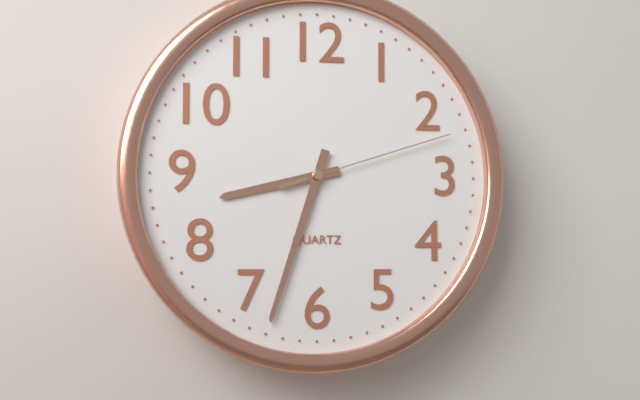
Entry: h=8 m=33 s=12
